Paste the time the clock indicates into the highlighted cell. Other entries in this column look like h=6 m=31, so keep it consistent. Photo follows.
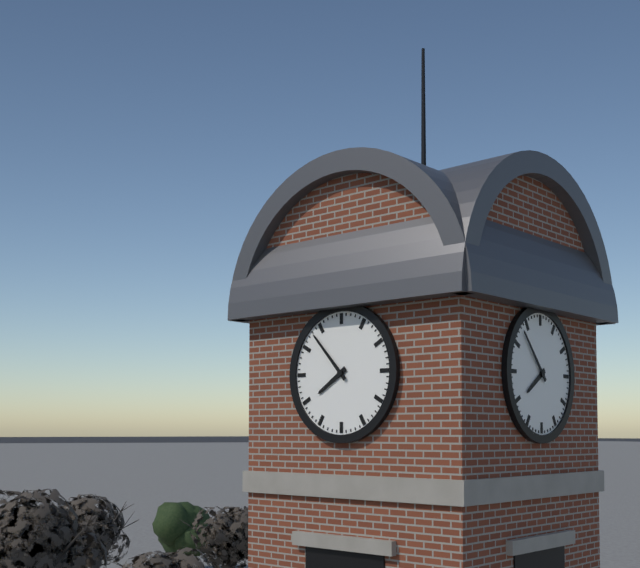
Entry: h=7 m=53
